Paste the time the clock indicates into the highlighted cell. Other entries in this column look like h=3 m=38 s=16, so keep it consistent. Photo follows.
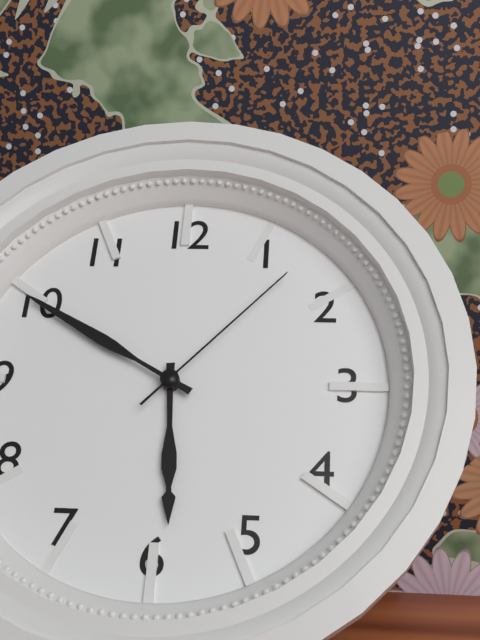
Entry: h=5 m=50 s=7
